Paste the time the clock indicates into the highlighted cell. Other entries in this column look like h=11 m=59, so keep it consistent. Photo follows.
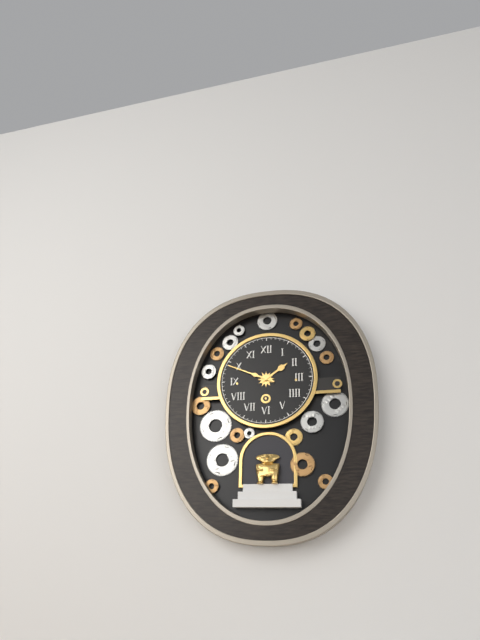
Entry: h=1 m=49
